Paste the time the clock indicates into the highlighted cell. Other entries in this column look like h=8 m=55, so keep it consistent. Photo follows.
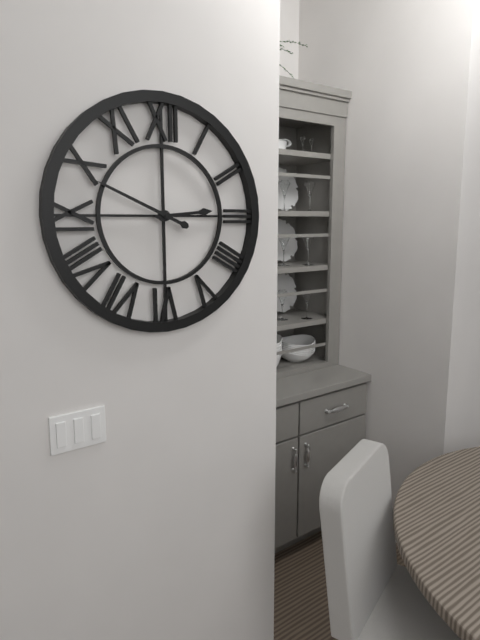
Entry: h=2 m=49
